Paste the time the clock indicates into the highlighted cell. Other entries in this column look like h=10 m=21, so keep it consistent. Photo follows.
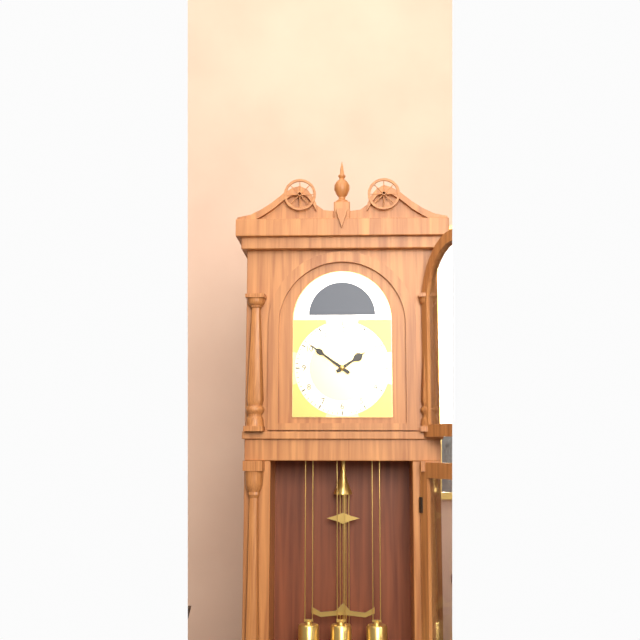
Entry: h=1 m=51
